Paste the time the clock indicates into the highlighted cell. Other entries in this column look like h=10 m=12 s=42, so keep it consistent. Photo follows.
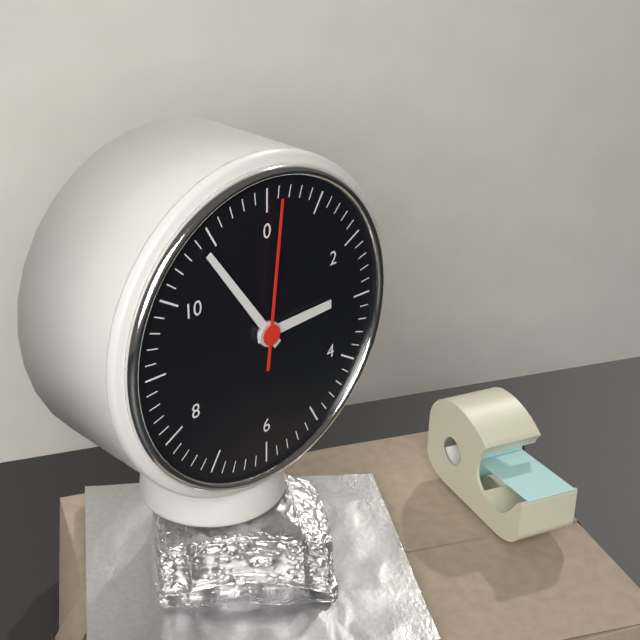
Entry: h=2 m=54 s=1
